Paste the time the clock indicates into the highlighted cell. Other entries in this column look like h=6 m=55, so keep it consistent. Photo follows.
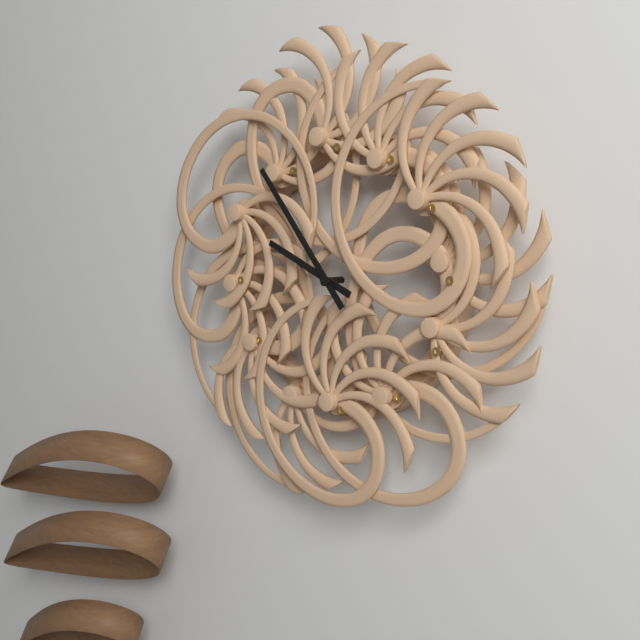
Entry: h=9 m=54
